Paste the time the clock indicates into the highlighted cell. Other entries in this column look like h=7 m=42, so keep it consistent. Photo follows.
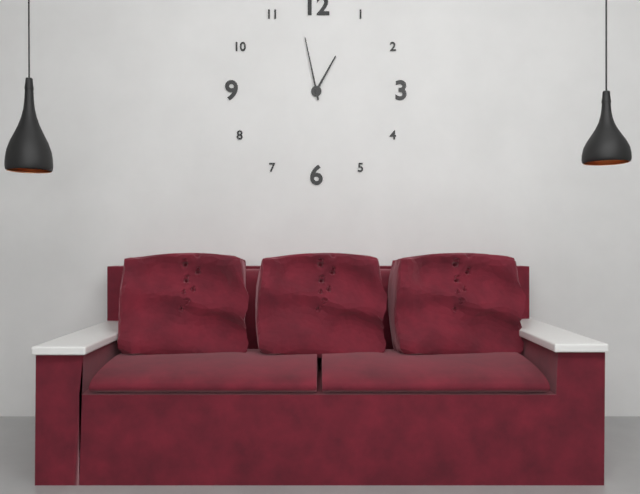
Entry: h=12 m=58
